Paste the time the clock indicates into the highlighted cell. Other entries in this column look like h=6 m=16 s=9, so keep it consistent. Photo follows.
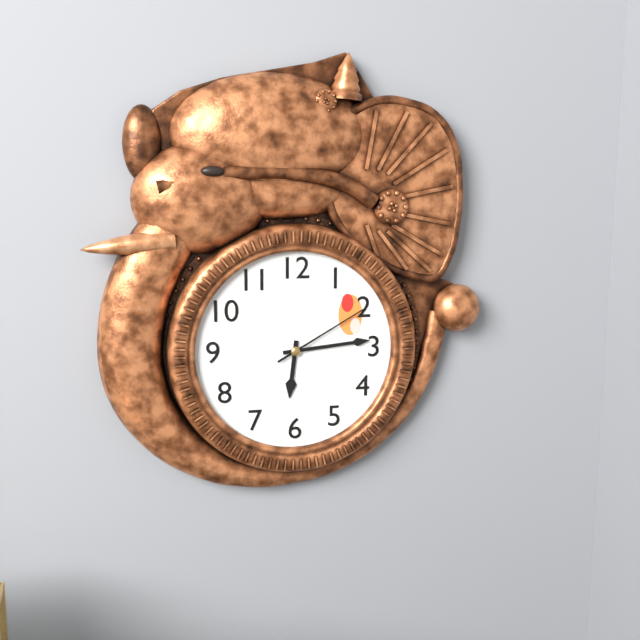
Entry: h=6 m=14 s=10
